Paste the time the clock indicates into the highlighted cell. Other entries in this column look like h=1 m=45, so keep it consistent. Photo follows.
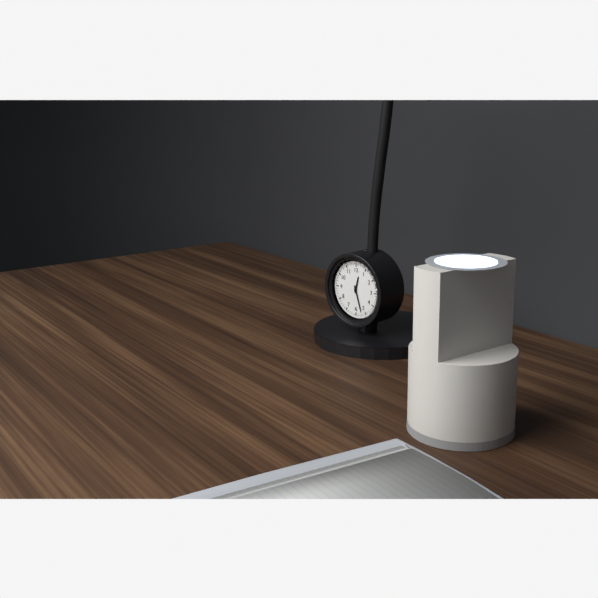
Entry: h=12 m=27
